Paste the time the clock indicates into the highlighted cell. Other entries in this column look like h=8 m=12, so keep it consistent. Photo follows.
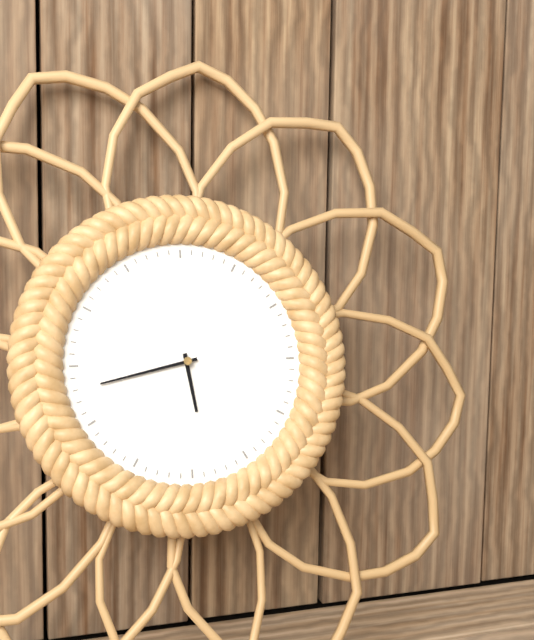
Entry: h=5 m=43
